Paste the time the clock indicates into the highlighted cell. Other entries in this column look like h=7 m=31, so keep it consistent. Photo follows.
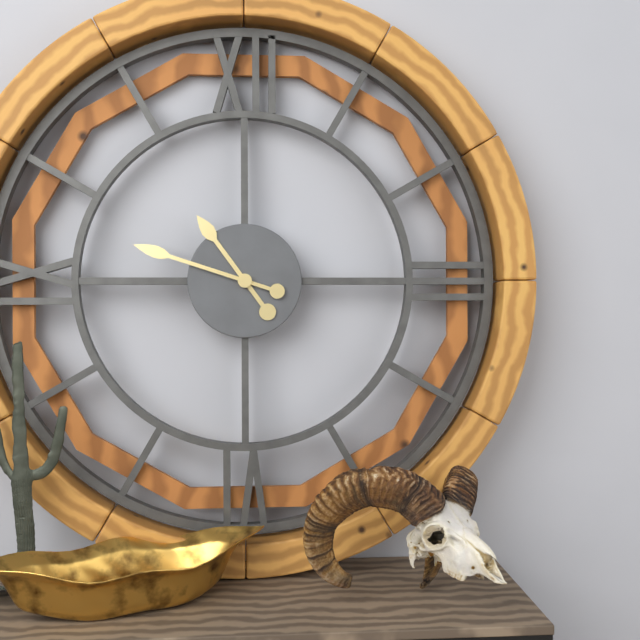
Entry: h=10 m=48
